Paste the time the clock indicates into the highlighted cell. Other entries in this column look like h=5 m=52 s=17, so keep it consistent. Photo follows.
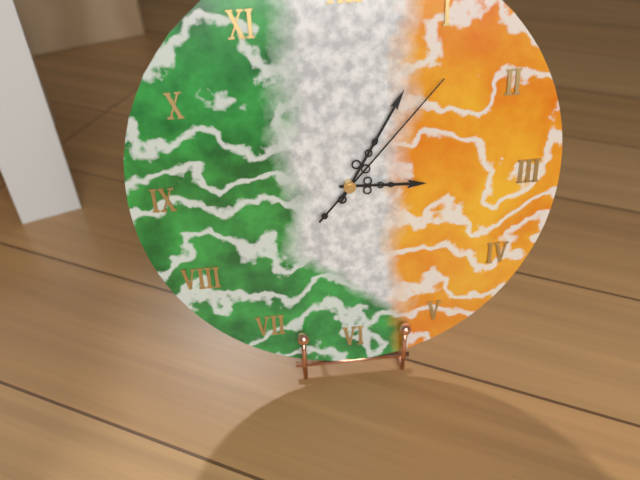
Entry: h=3 m=5 s=7
